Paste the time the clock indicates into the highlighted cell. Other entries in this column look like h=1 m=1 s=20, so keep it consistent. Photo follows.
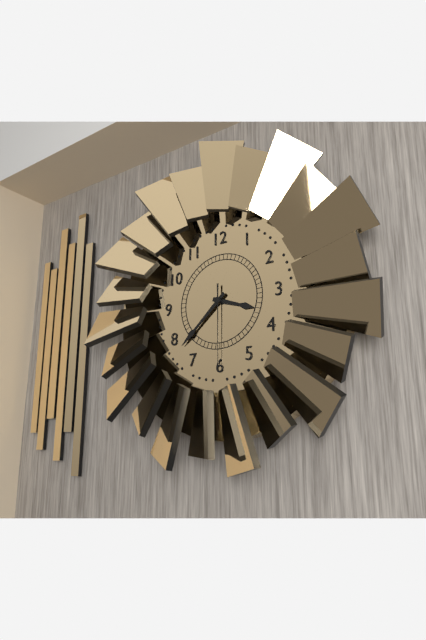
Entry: h=3 m=38 s=30
